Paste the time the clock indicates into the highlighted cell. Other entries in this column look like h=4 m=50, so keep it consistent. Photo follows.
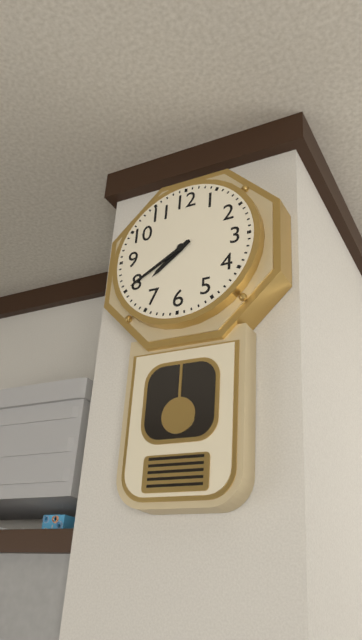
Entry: h=7 m=40
